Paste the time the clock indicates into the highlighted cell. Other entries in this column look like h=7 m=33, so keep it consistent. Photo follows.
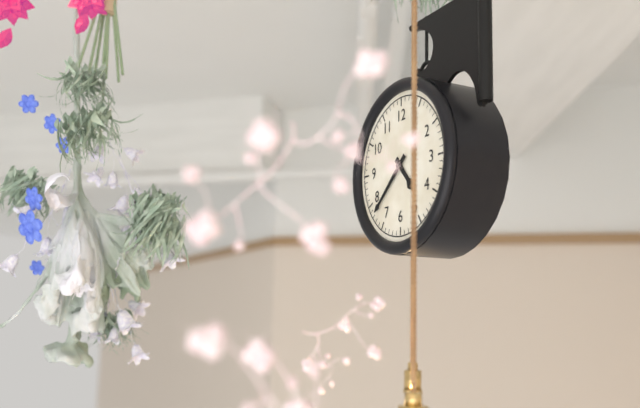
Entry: h=4 m=38
